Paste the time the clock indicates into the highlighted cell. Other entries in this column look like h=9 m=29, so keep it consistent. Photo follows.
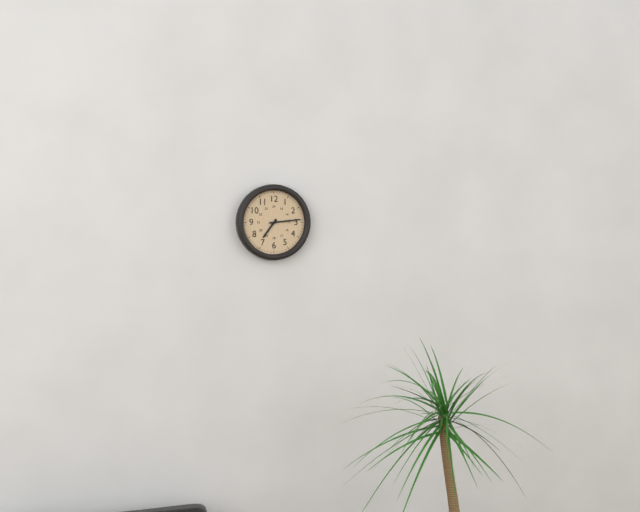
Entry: h=7 m=14
